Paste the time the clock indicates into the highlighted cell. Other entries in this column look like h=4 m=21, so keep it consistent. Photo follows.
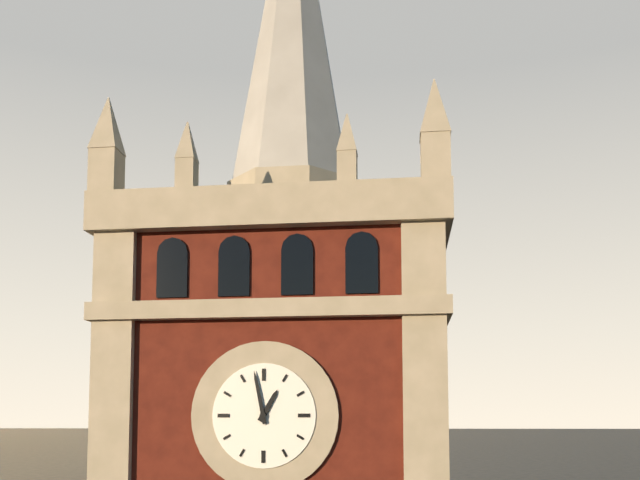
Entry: h=12 m=58
